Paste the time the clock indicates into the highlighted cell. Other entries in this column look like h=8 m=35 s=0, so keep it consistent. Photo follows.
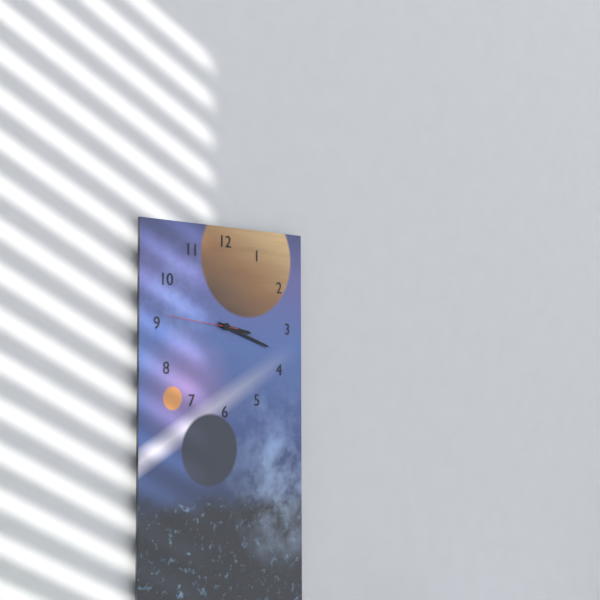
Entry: h=3 m=18 s=46
